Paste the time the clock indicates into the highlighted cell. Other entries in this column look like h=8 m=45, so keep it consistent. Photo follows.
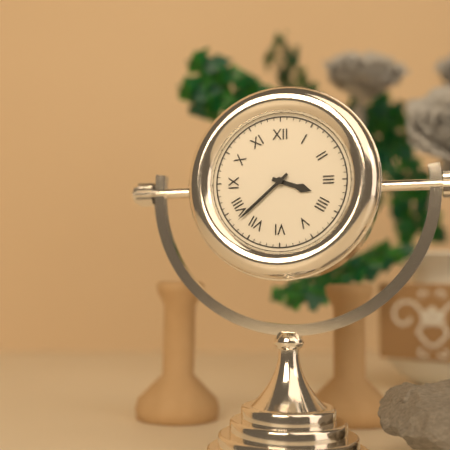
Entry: h=3 m=38
